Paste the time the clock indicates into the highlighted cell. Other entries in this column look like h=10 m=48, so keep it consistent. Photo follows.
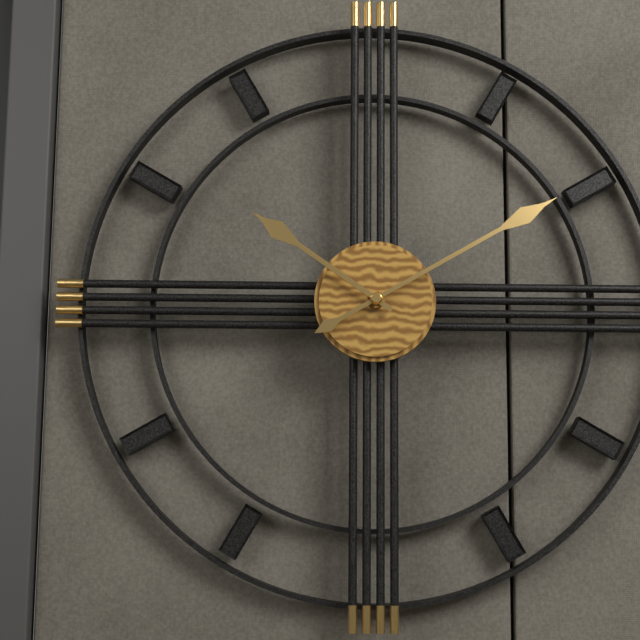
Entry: h=10 m=10
